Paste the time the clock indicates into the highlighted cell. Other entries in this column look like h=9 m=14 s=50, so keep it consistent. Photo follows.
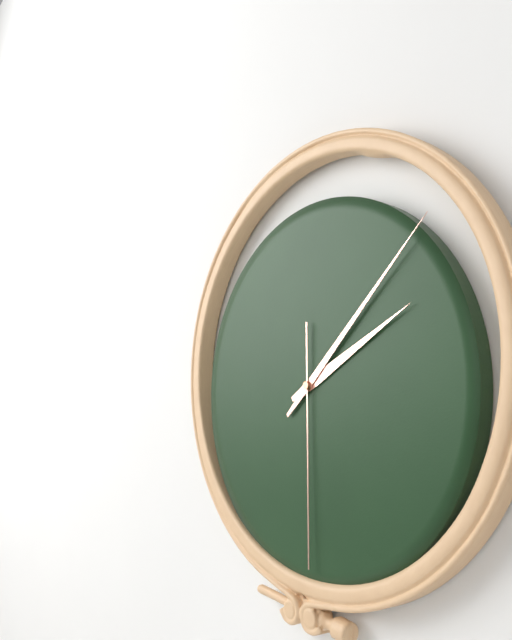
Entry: h=2 m=8 s=30
